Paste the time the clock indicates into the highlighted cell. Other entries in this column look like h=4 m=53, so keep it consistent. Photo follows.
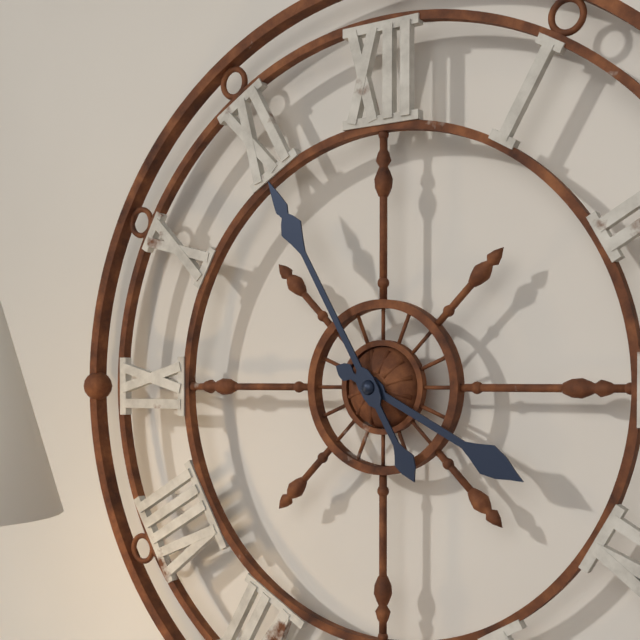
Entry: h=3 m=55
